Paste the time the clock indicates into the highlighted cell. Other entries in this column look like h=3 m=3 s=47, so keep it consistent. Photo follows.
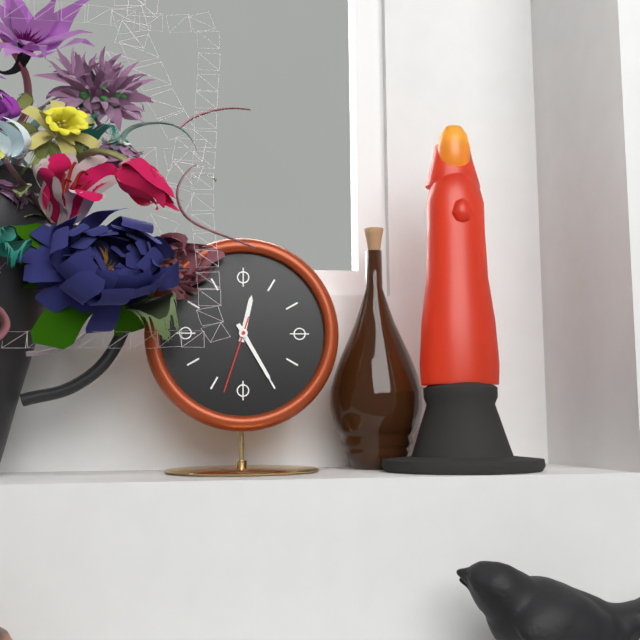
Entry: h=12 m=25 s=33
